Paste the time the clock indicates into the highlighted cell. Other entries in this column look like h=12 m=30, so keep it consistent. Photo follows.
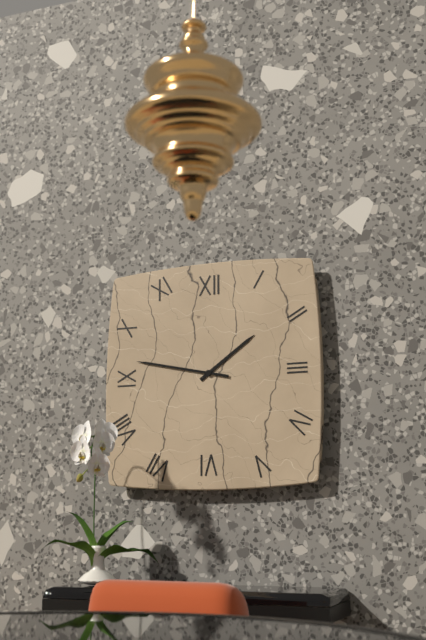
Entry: h=1 m=47
